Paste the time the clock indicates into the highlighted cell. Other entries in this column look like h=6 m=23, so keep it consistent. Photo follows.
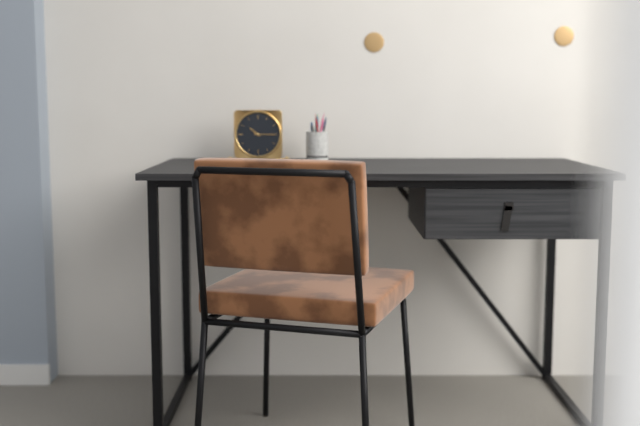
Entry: h=10 m=15
